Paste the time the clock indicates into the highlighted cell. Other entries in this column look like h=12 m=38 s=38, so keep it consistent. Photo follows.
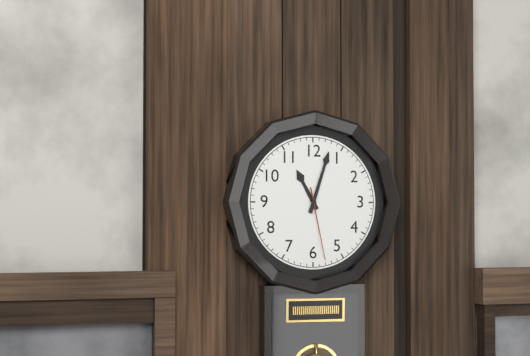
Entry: h=11 m=3 s=28
